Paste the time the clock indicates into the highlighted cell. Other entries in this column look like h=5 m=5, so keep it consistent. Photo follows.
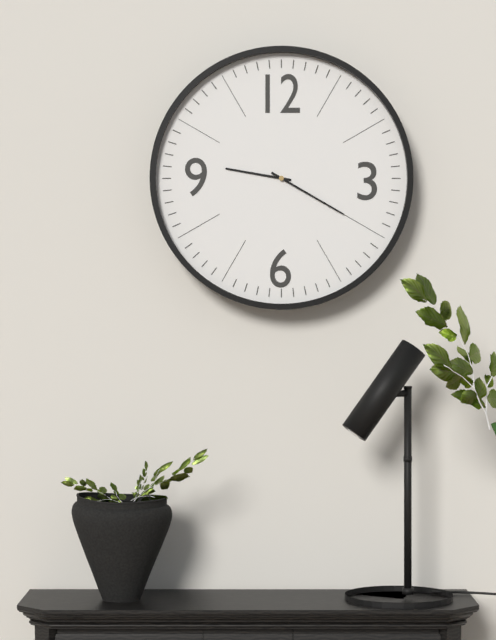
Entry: h=9 m=20
